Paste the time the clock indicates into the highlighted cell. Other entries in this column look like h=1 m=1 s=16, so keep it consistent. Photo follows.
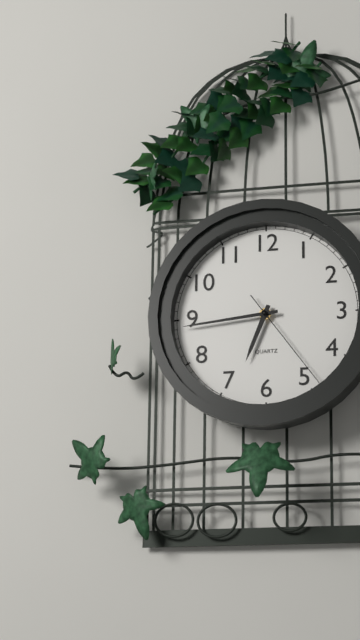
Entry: h=6 m=44 s=24
